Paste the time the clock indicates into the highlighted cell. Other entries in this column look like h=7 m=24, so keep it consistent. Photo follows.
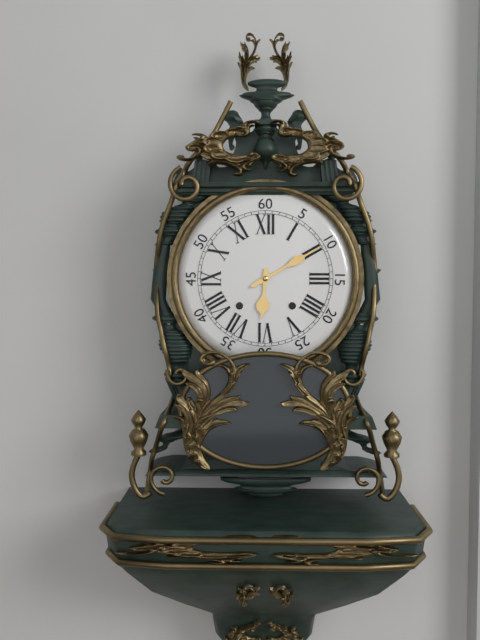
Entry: h=6 m=10
